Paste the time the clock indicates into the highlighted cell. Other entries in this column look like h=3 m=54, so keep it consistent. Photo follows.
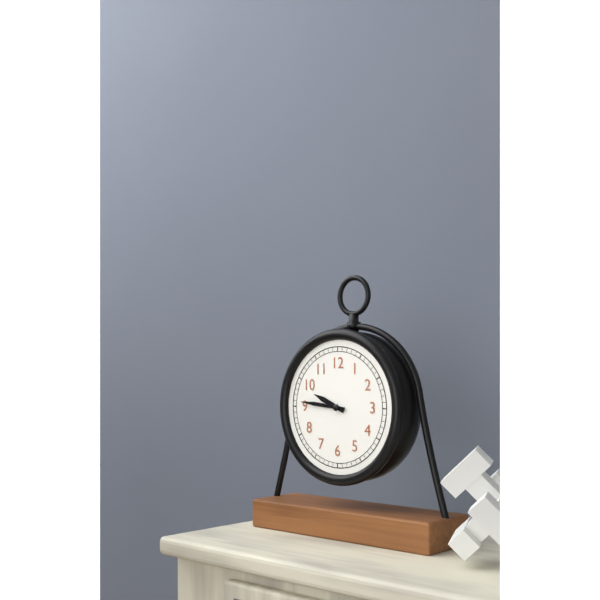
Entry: h=9 m=46
